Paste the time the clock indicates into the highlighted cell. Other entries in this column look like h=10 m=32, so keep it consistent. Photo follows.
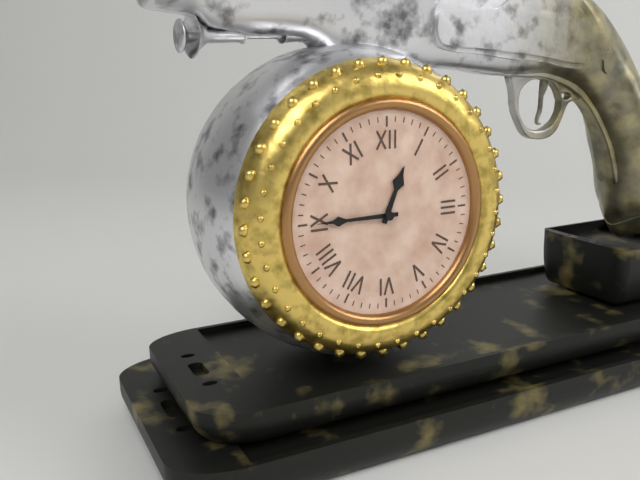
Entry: h=12 m=45
